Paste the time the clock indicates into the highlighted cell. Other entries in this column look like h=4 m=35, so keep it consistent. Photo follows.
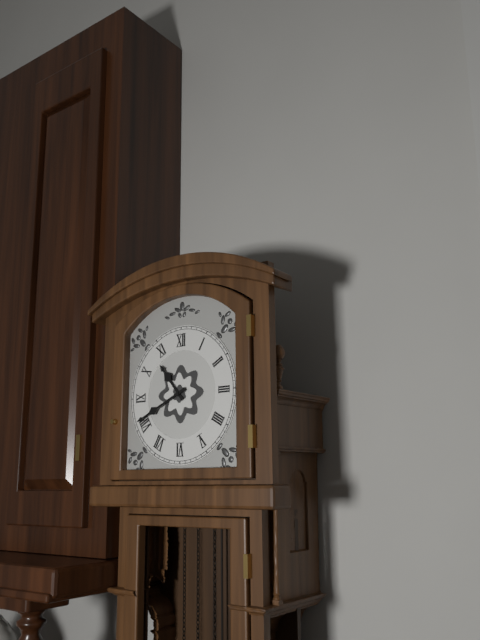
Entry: h=10 m=41
